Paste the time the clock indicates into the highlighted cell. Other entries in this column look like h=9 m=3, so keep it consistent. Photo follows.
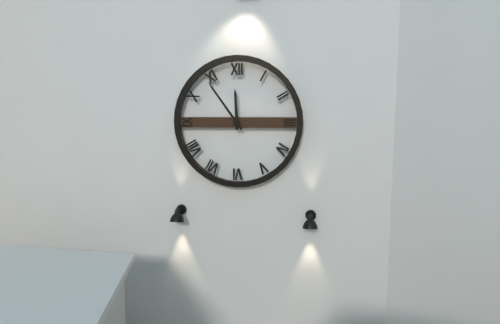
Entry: h=11 m=54
